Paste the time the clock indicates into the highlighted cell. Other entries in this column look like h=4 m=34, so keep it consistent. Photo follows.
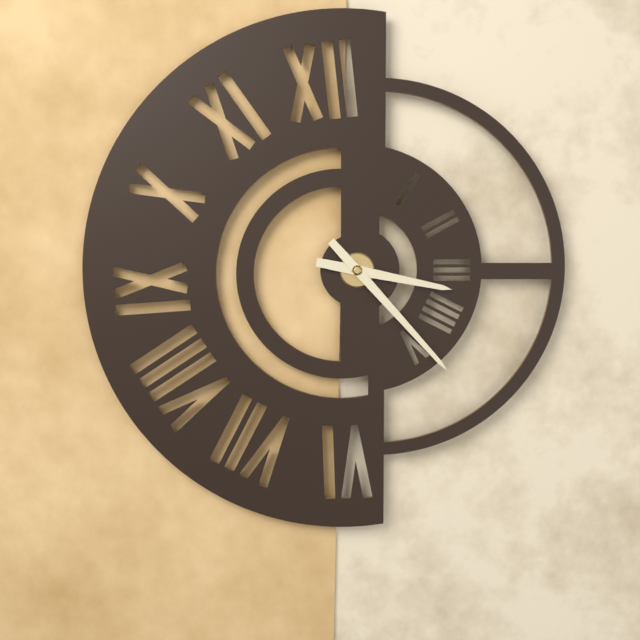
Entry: h=3 m=23
